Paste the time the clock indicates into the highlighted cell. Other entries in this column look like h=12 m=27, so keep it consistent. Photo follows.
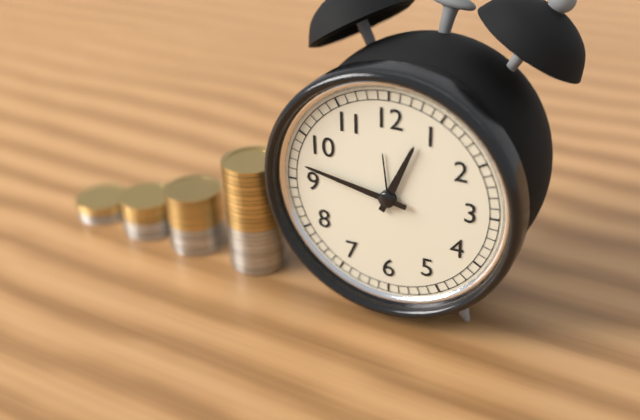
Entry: h=12 m=47
